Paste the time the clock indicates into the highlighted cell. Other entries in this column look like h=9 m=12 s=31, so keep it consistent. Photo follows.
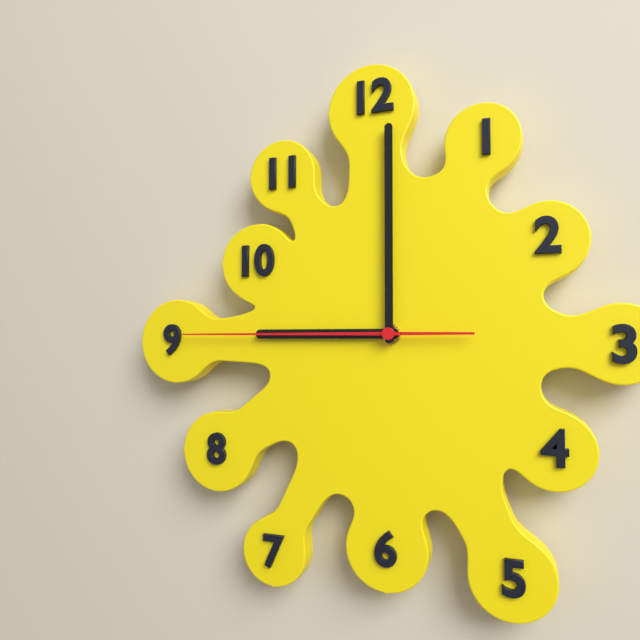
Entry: h=9 m=0 s=45
